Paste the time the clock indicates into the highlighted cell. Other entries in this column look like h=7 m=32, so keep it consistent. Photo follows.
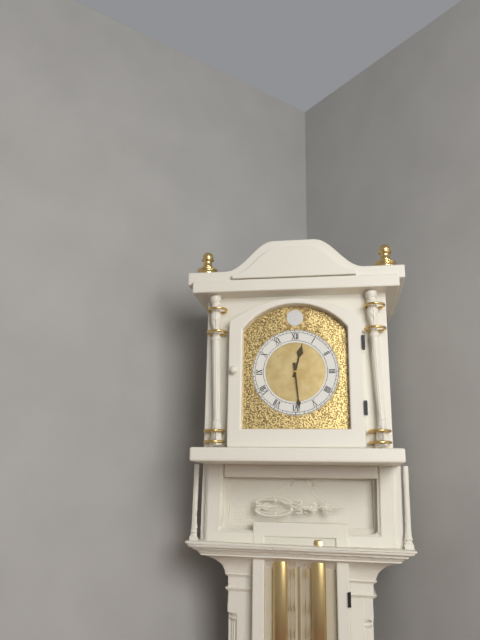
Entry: h=12 m=29
